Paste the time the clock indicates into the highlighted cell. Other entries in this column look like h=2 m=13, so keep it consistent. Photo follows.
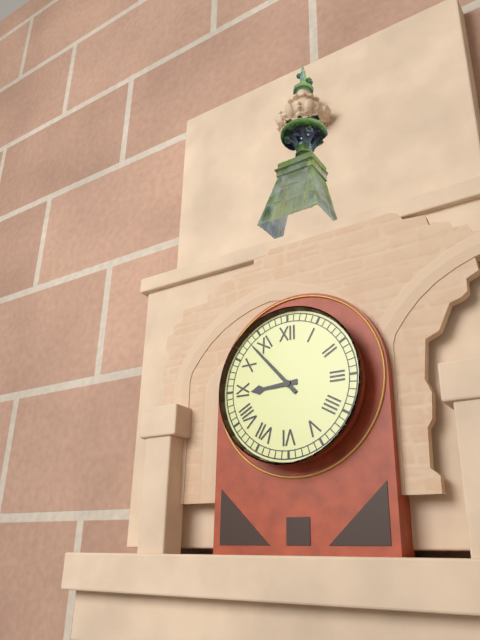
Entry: h=8 m=53
